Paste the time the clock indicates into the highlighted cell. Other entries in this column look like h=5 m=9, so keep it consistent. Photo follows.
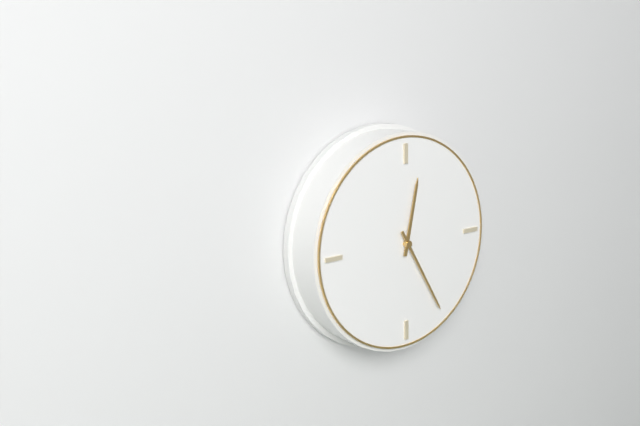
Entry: h=12 m=25
